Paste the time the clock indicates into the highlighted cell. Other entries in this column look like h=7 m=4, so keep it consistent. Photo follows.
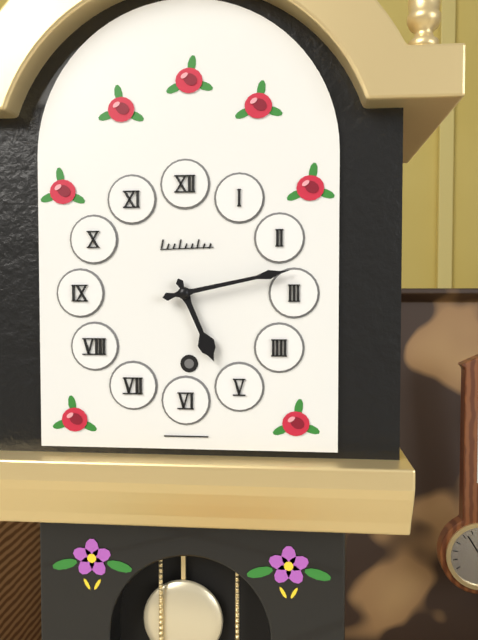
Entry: h=5 m=13
